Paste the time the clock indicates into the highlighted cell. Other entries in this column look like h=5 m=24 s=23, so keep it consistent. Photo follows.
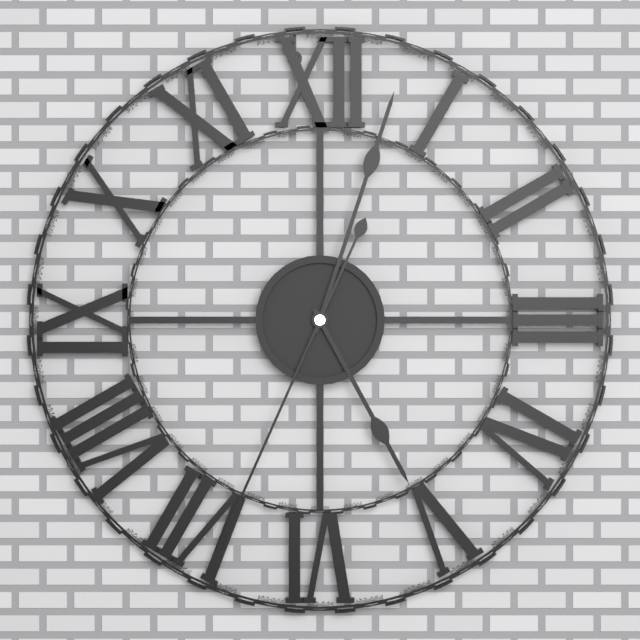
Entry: h=5 m=3 s=34
